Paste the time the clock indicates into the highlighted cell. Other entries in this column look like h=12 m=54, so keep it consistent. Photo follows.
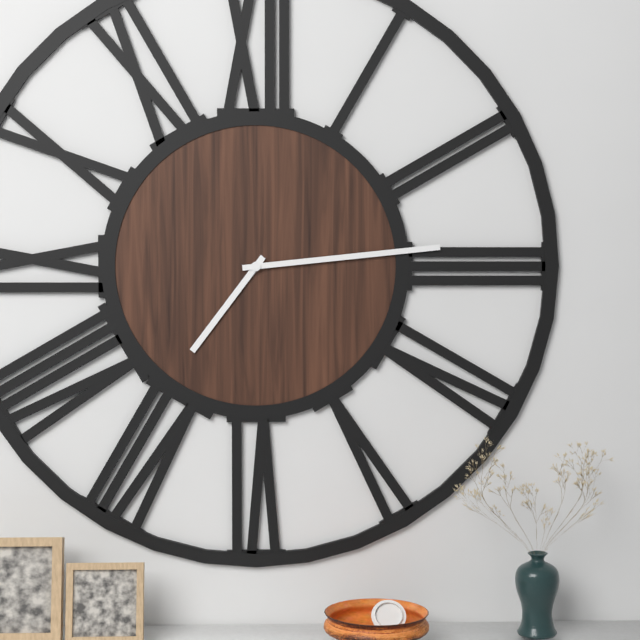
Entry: h=7 m=14
